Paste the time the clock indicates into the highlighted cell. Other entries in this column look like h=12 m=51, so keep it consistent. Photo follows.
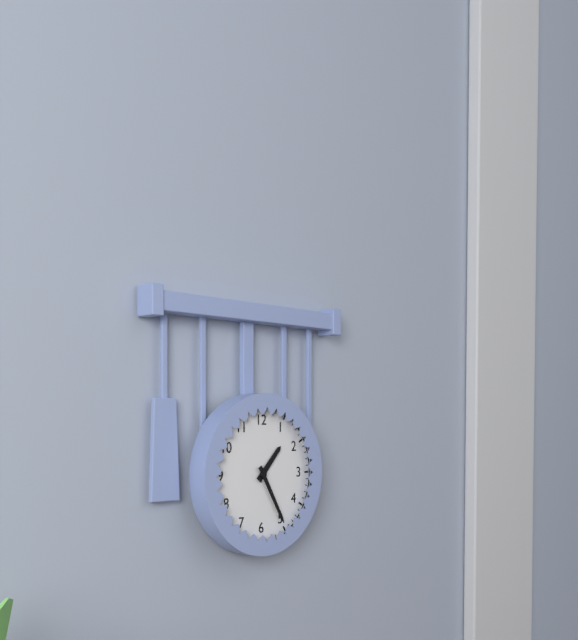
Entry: h=1 m=25
